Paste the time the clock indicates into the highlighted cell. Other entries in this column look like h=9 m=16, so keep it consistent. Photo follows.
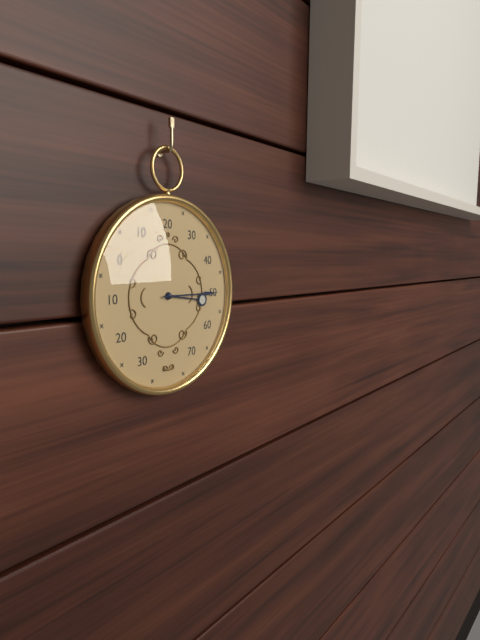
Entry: h=3 m=15
